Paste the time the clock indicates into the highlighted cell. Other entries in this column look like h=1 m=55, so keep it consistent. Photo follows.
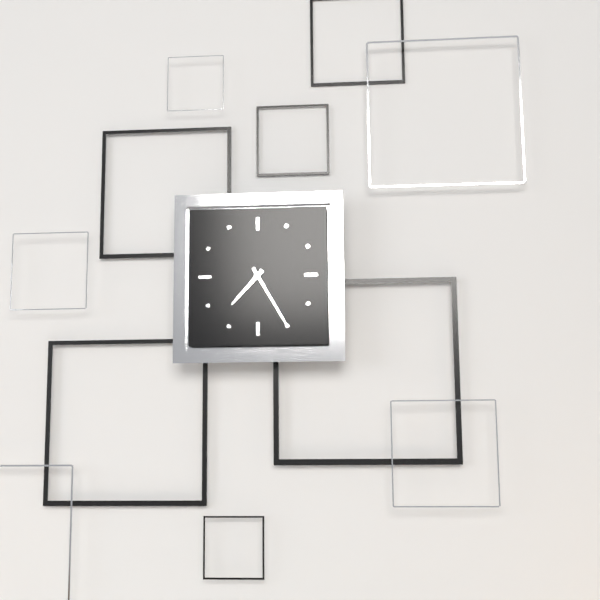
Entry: h=7 m=25
